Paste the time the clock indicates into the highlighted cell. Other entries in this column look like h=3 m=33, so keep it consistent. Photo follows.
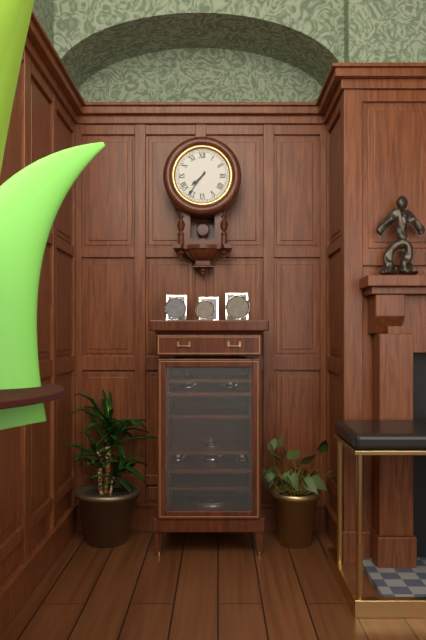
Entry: h=7 m=36
